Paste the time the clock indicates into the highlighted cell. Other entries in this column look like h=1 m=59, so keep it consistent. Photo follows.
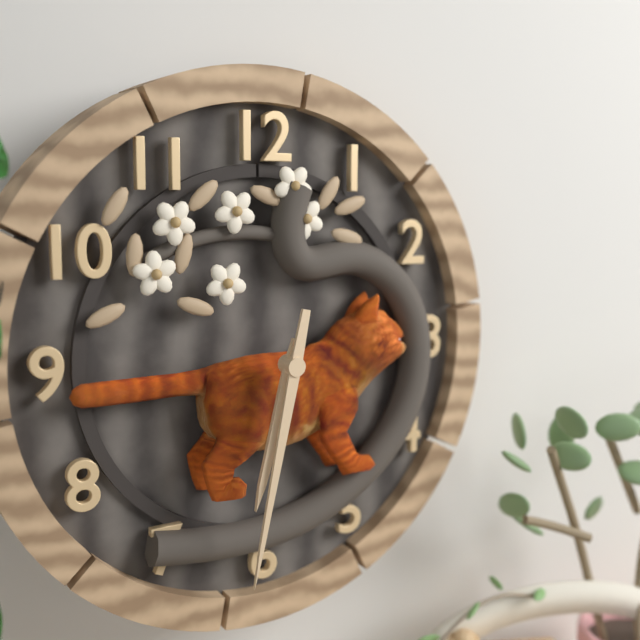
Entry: h=6 m=32
